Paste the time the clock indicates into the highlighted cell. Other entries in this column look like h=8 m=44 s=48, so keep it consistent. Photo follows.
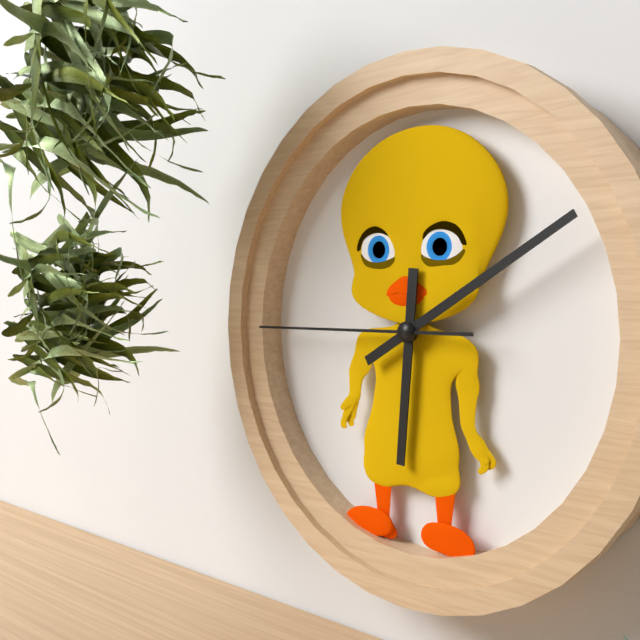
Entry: h=6 m=10 s=45
